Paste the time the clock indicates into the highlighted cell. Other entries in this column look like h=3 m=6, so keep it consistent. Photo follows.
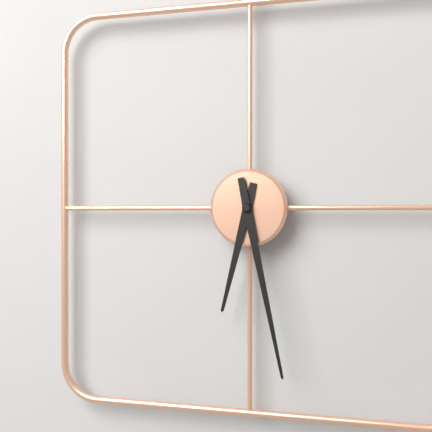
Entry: h=6 m=28
